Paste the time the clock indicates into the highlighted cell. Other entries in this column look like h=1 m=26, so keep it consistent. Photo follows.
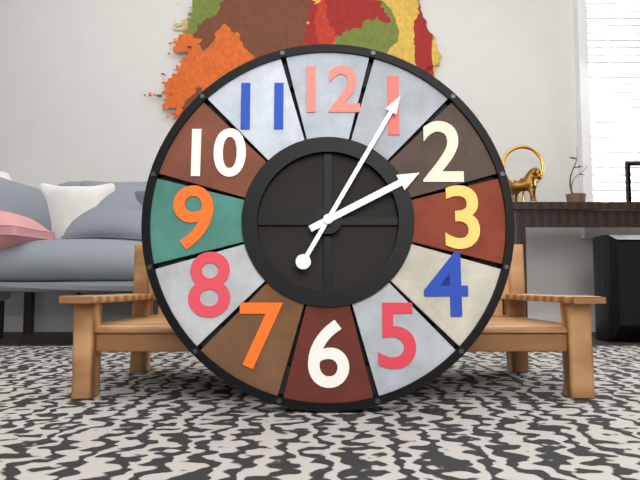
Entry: h=2 m=5
